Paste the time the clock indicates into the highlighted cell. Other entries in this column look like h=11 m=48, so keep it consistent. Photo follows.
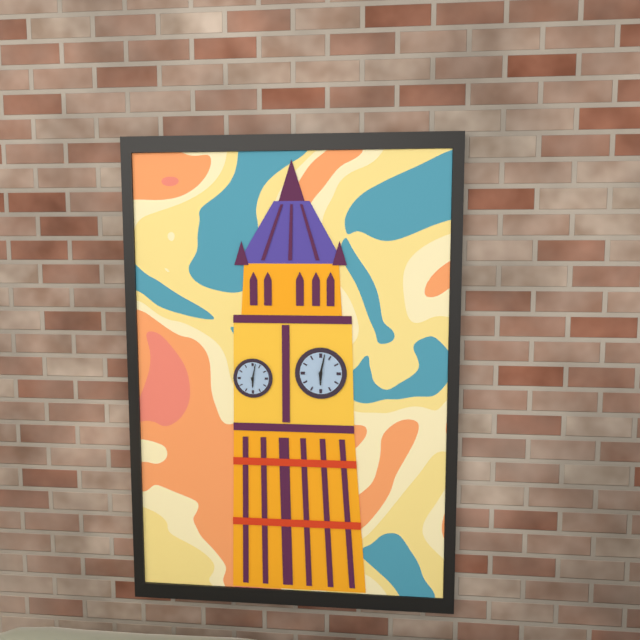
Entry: h=6 m=2
